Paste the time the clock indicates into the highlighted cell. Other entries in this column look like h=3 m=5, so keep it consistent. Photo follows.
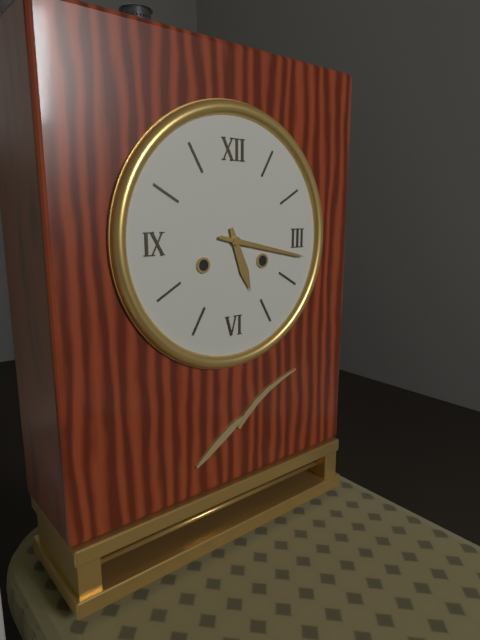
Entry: h=5 m=17
